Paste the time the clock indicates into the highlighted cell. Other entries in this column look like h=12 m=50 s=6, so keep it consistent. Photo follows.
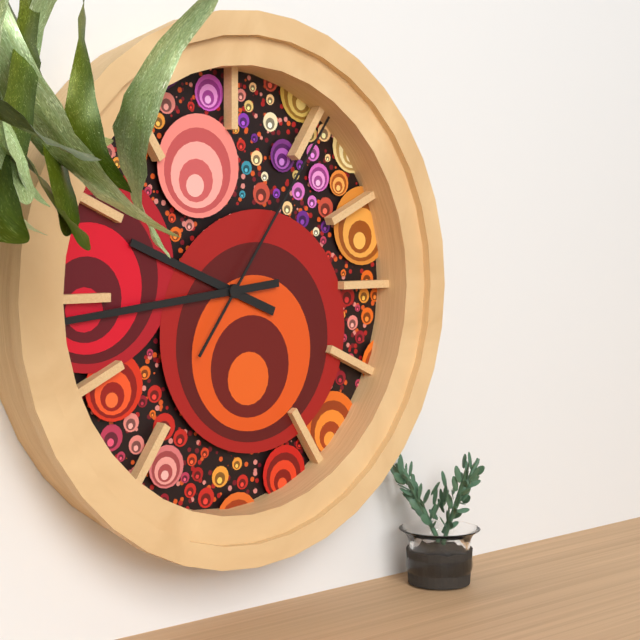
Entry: h=9 m=44 s=6
